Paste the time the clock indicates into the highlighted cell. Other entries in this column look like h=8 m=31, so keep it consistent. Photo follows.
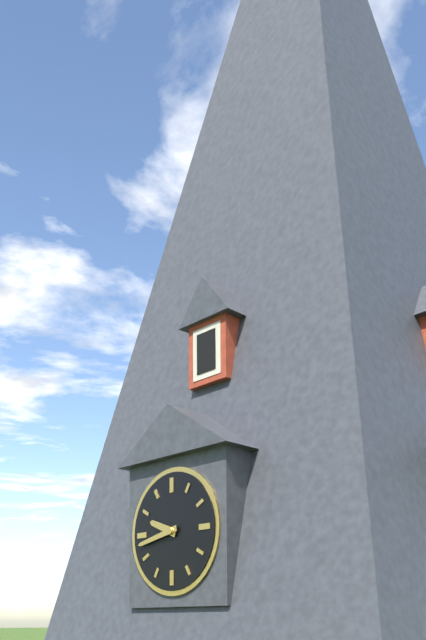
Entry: h=9 m=43
